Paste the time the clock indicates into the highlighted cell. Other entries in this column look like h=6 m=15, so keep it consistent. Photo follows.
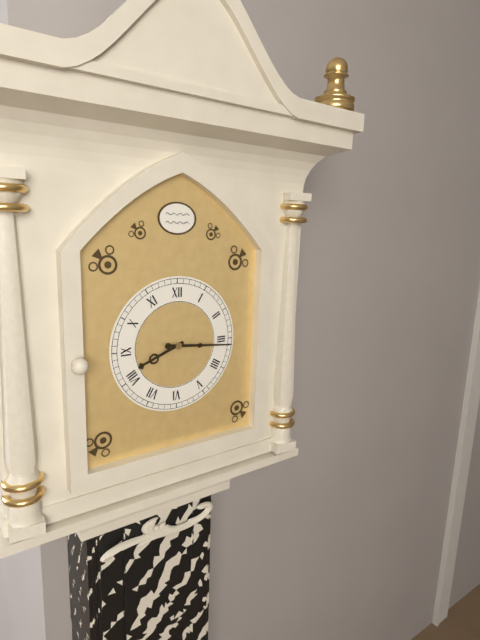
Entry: h=8 m=16
